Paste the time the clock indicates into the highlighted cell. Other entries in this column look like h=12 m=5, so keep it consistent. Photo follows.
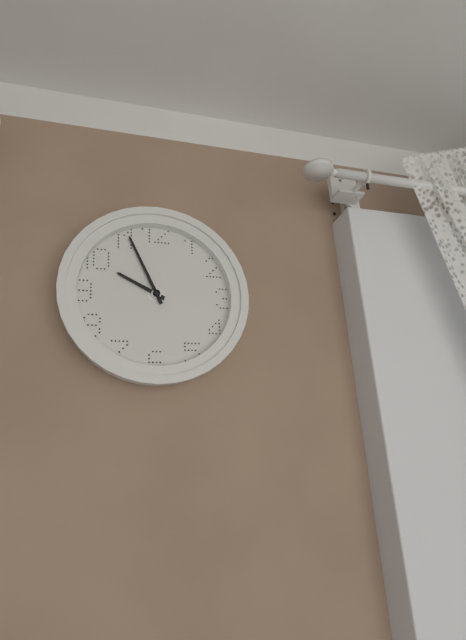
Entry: h=9 m=56
